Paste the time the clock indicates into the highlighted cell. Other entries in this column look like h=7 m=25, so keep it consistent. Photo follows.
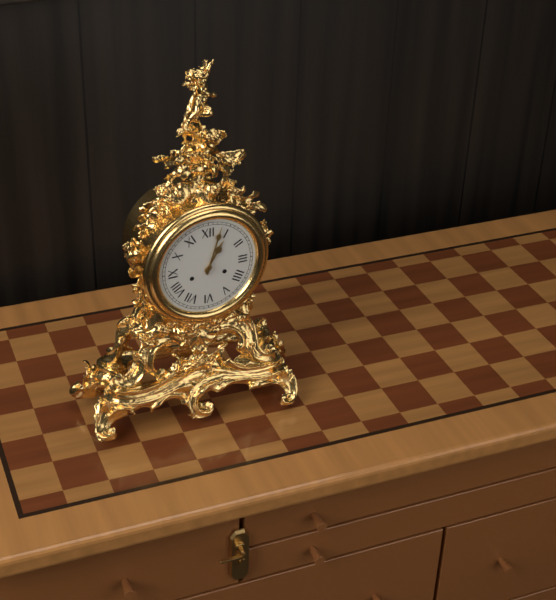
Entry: h=1 m=3
